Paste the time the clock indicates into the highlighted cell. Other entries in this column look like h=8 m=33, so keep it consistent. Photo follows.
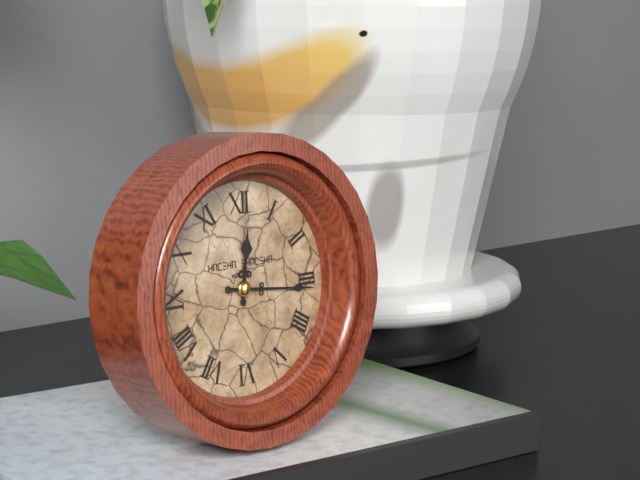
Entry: h=12 m=16
